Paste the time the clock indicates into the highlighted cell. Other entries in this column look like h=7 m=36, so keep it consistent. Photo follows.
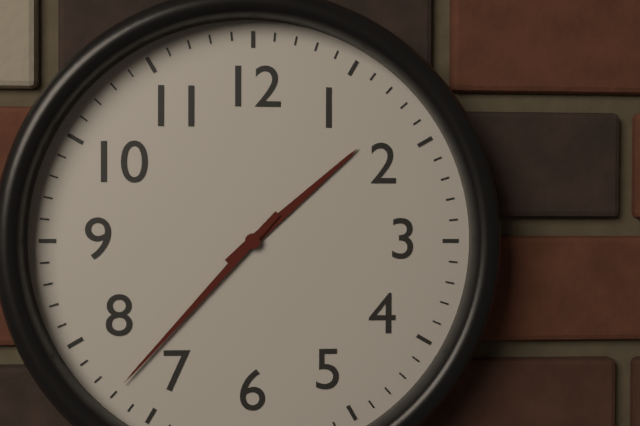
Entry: h=1 m=37
